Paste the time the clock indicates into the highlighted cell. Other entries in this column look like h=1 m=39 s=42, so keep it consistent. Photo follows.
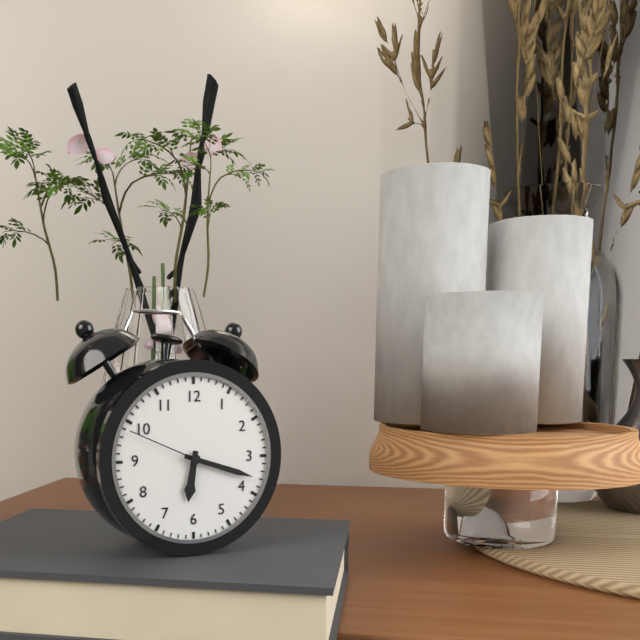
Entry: h=6 m=18 s=49
